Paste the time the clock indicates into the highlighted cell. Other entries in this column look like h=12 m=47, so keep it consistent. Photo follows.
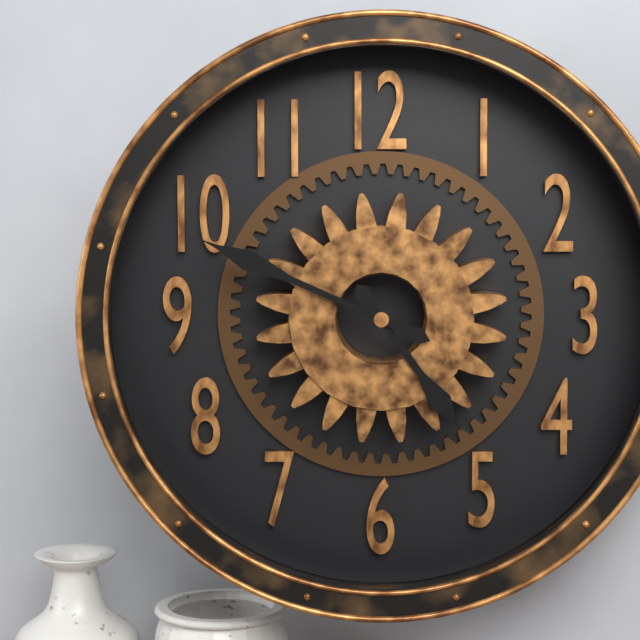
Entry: h=4 m=49
